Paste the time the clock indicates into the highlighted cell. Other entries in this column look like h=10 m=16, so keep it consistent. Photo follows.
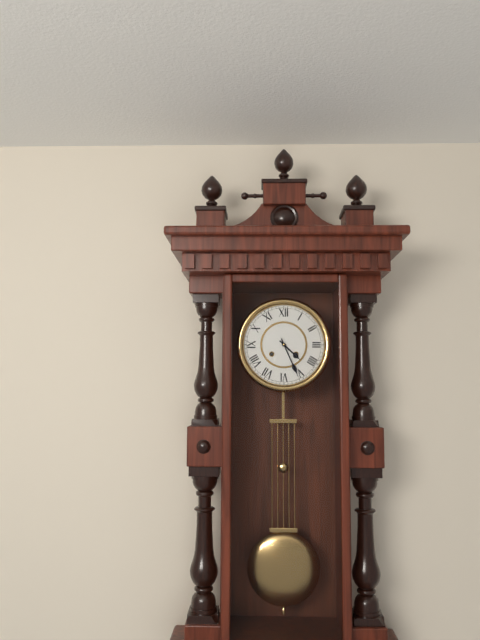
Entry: h=4 m=26
